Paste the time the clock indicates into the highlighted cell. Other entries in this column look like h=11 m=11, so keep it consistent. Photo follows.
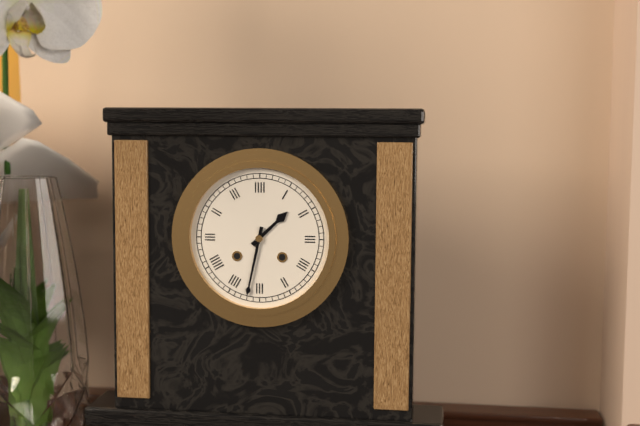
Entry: h=1 m=32
